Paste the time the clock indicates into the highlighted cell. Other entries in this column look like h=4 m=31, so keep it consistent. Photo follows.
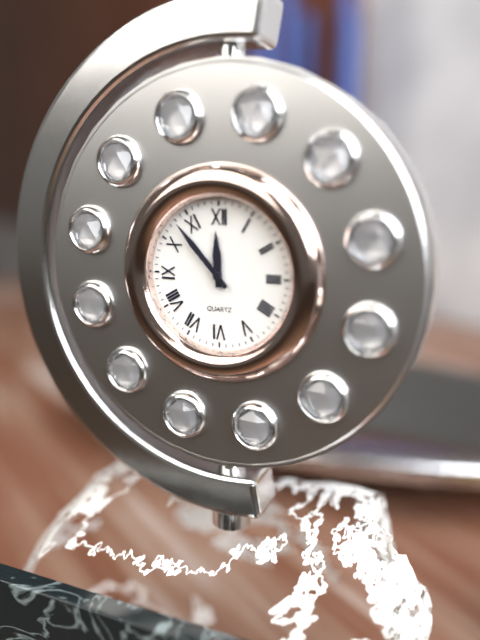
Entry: h=11 m=53
